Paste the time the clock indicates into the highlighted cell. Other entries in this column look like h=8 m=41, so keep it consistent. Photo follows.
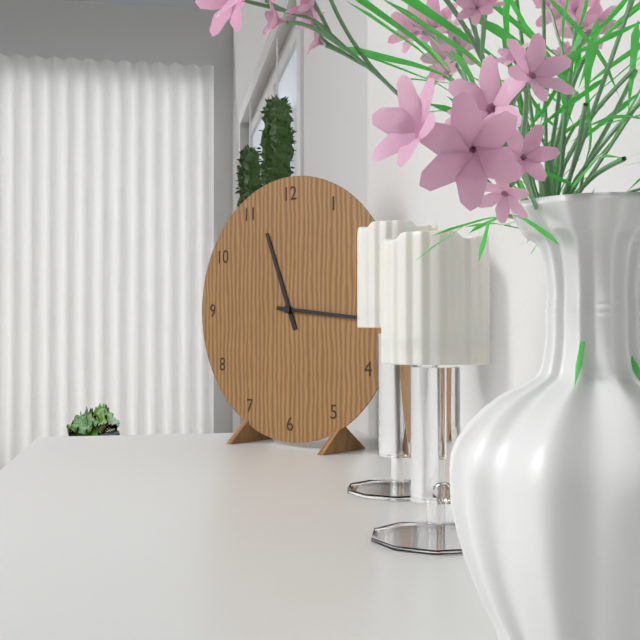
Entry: h=11 m=16
